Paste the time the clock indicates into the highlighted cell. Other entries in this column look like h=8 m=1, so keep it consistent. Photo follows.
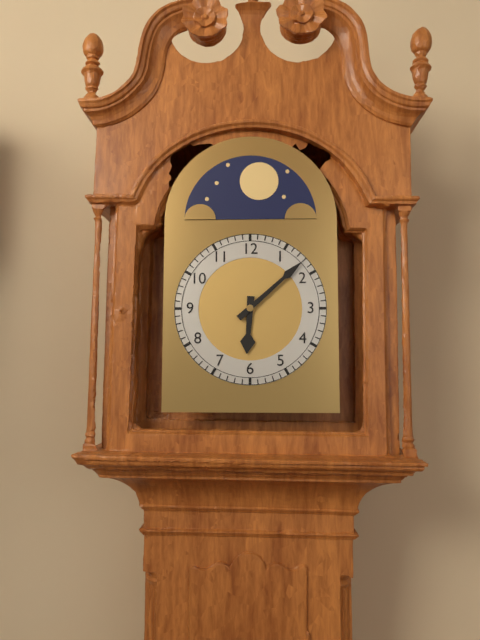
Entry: h=6 m=8
